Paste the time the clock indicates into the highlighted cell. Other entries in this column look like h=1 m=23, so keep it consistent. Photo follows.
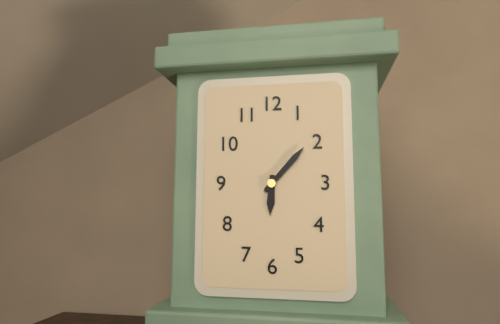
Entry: h=6 m=7
